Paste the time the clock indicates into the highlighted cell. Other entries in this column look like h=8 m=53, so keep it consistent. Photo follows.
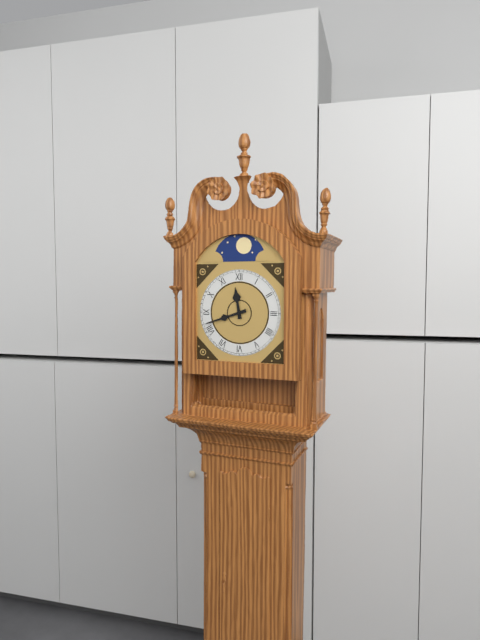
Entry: h=11 m=42
